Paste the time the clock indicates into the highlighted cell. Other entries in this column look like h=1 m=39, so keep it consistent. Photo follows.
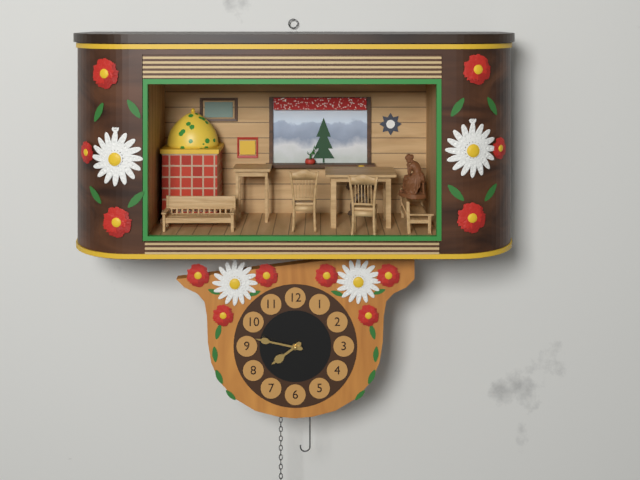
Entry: h=7 m=47
